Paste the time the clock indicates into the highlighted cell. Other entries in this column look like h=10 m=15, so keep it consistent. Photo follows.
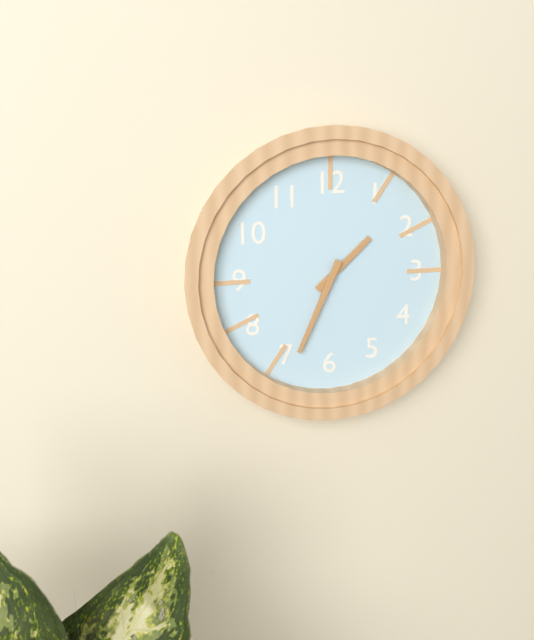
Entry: h=1 m=34
